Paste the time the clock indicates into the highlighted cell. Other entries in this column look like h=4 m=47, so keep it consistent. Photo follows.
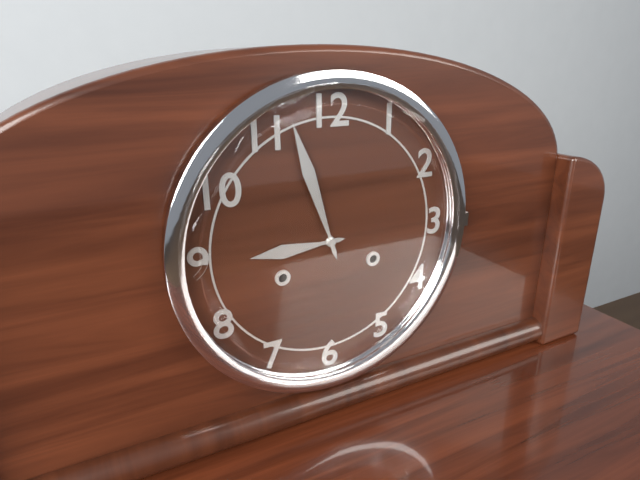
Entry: h=8 m=57
